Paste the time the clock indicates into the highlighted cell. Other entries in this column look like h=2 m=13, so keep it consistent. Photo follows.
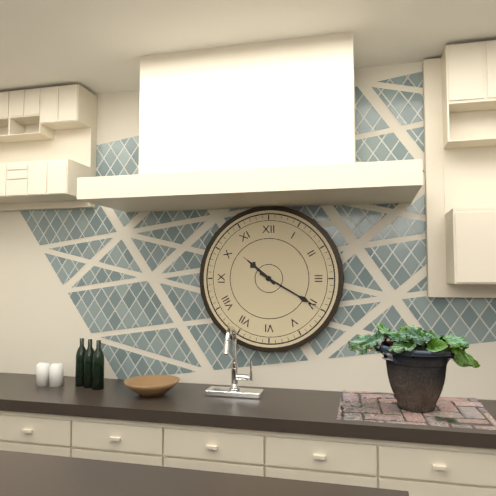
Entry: h=10 m=20
